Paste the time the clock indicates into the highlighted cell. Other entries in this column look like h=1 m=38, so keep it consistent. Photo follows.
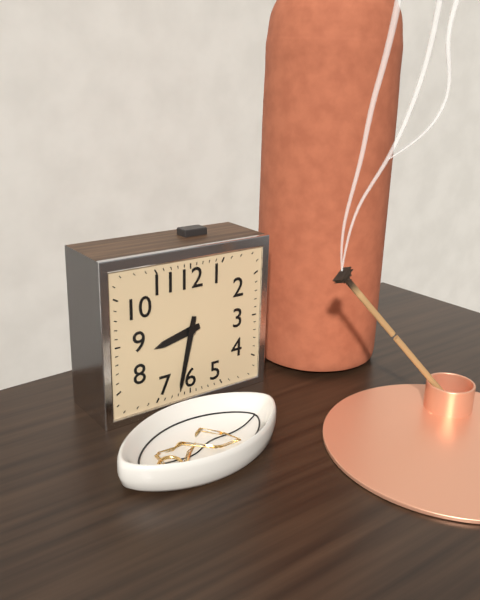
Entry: h=8 m=32
